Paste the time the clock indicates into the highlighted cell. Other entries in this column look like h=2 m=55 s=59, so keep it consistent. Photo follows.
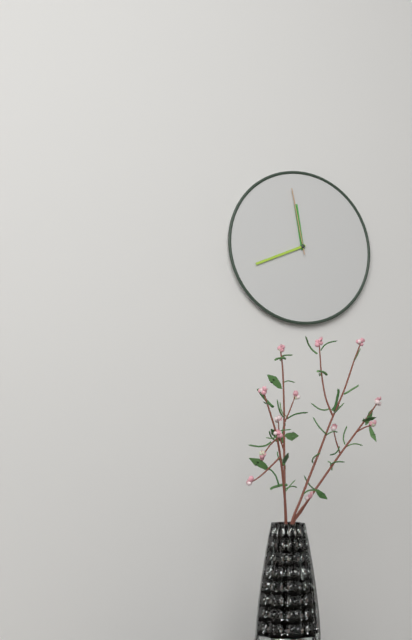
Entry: h=11 m=41 s=58
